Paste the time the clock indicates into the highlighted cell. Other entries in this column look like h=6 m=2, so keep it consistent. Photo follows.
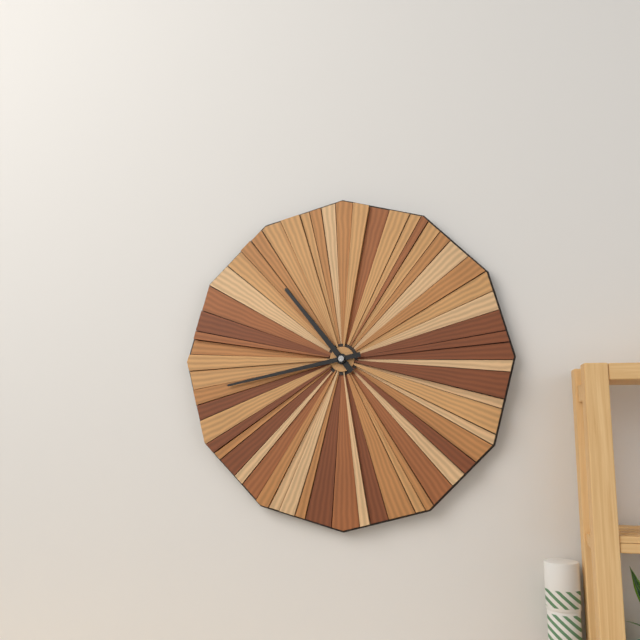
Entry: h=10 m=43
